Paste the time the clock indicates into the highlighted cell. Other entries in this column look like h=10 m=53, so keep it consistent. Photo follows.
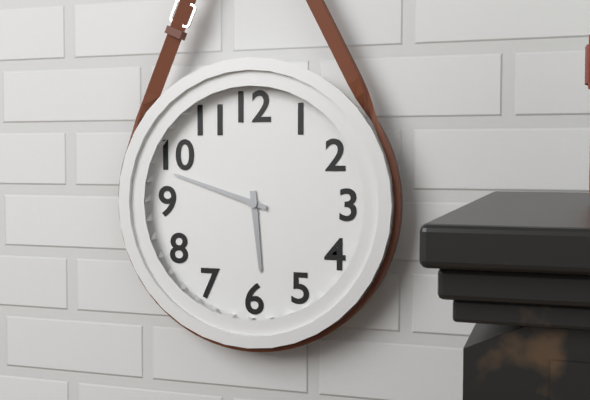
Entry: h=5 m=48
